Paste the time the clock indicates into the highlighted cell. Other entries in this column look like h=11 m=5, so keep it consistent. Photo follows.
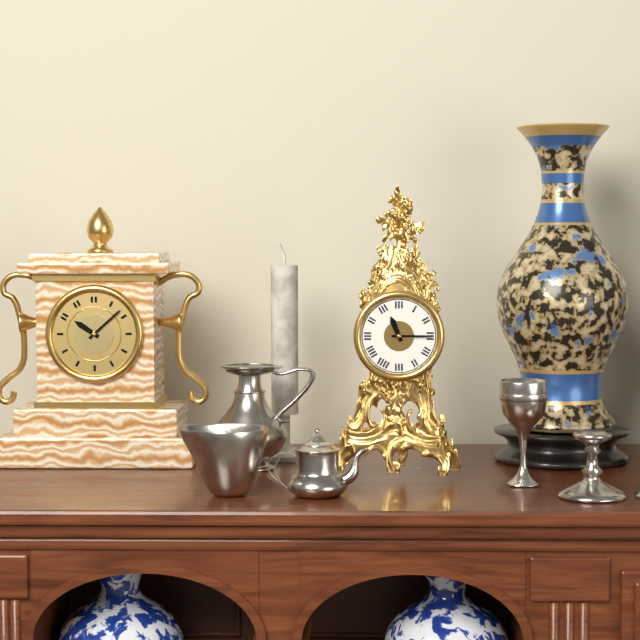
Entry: h=11 m=15
